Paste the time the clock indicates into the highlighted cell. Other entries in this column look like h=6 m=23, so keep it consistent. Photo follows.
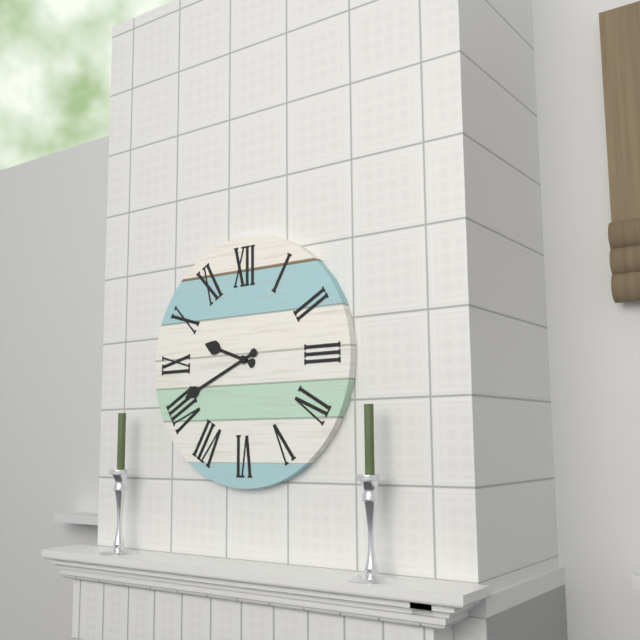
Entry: h=9 m=41
